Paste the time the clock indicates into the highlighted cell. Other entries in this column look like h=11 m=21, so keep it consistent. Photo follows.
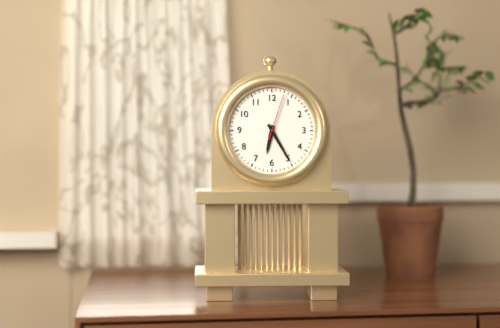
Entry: h=6 m=25
